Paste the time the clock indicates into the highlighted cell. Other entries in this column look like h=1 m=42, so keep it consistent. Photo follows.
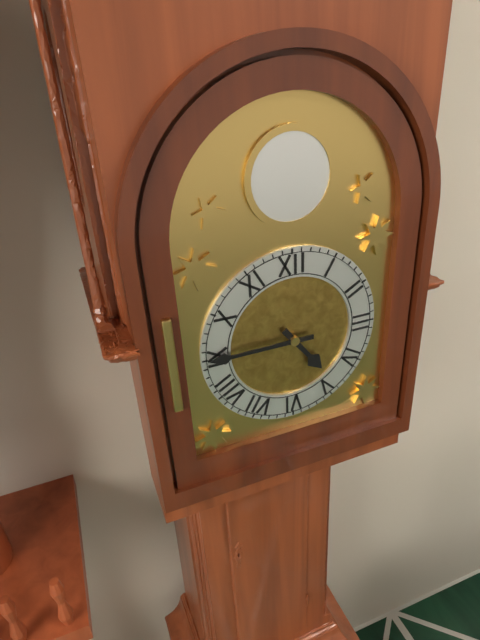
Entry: h=4 m=45
